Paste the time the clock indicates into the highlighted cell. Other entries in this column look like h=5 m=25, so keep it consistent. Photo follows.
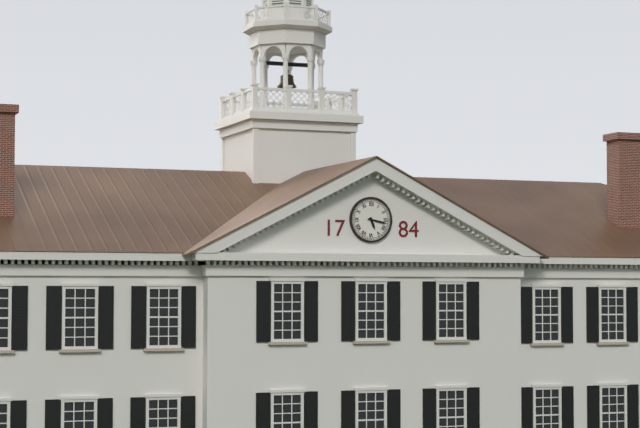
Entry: h=5 m=17
